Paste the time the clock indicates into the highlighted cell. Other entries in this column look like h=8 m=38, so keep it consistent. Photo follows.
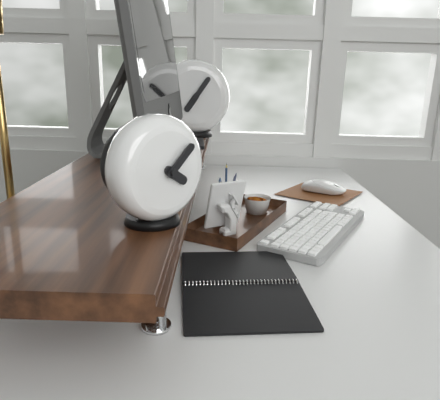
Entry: h=4 m=8
